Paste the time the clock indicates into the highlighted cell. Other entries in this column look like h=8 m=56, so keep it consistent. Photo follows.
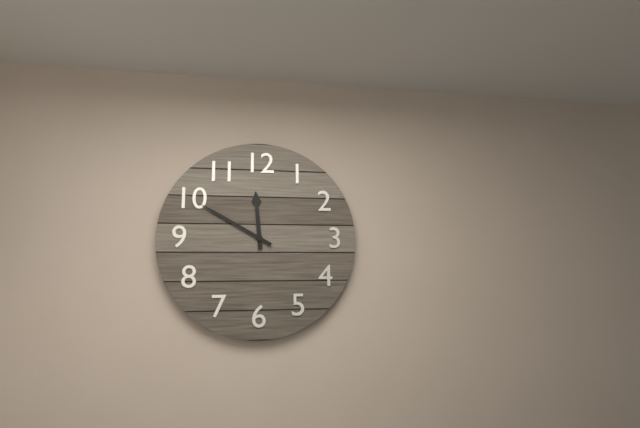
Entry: h=11 m=50
